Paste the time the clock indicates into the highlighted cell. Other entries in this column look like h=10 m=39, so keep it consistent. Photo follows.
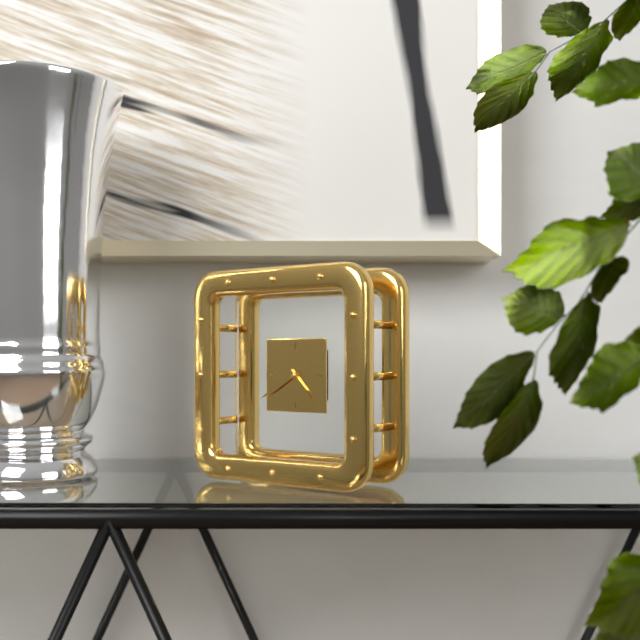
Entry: h=4 m=40
